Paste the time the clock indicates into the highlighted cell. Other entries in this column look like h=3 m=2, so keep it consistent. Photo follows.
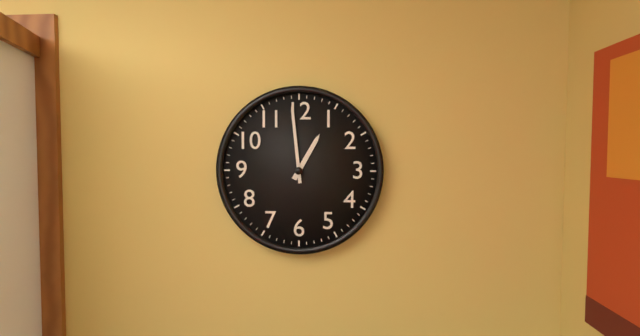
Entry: h=12 m=59
